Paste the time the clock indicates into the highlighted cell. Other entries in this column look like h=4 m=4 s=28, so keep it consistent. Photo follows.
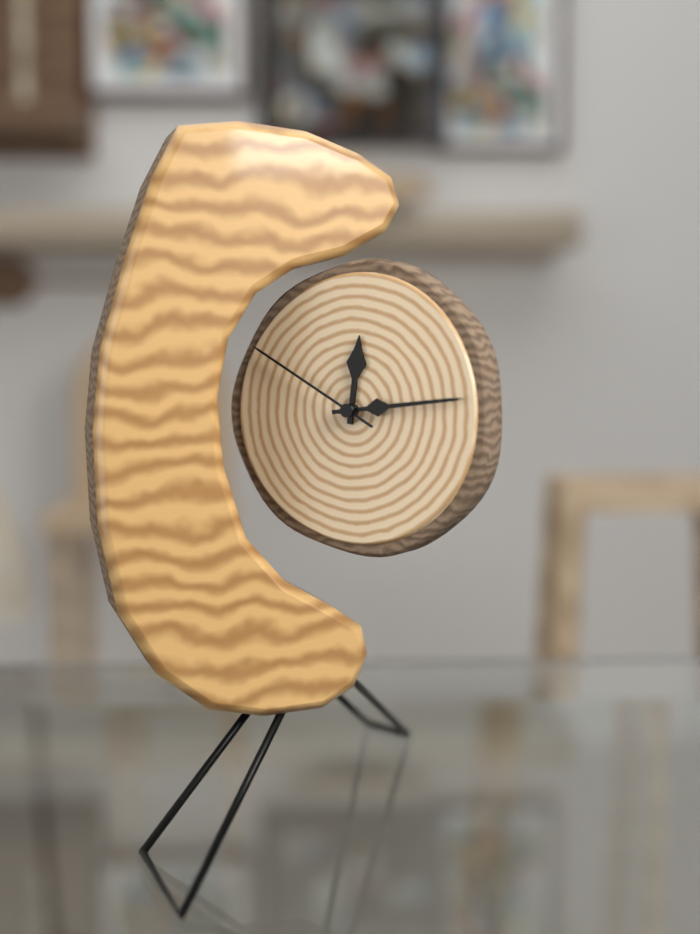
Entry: h=12 m=14 s=50
